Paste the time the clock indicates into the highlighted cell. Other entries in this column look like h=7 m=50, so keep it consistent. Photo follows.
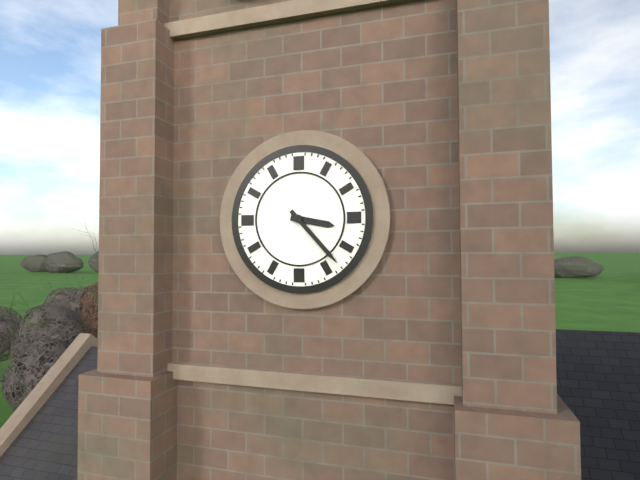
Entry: h=3 m=23
